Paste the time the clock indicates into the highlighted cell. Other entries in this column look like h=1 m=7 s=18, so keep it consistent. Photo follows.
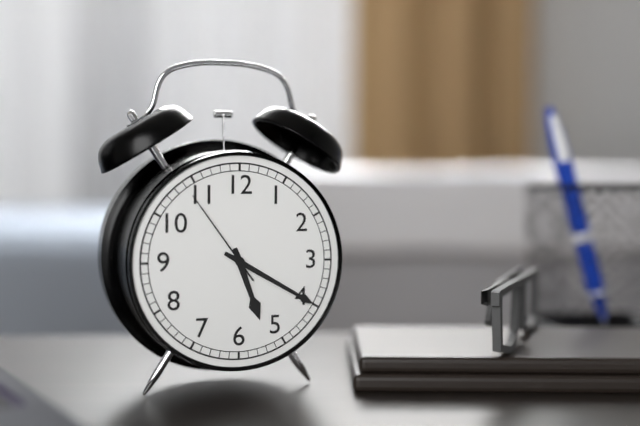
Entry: h=5 m=20 s=54
